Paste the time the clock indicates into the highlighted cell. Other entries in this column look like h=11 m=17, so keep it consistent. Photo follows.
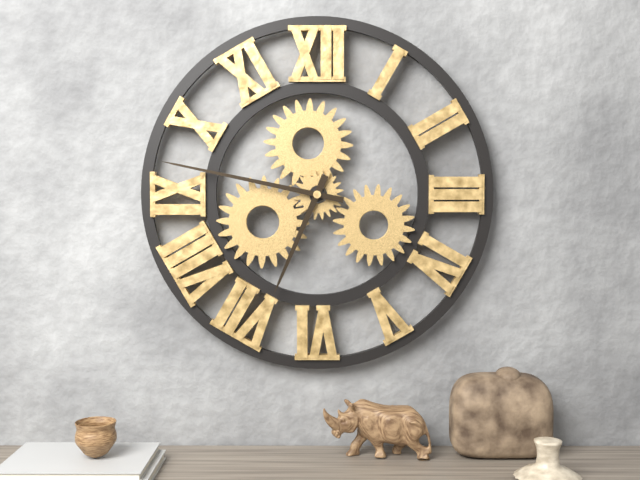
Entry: h=6 m=47
